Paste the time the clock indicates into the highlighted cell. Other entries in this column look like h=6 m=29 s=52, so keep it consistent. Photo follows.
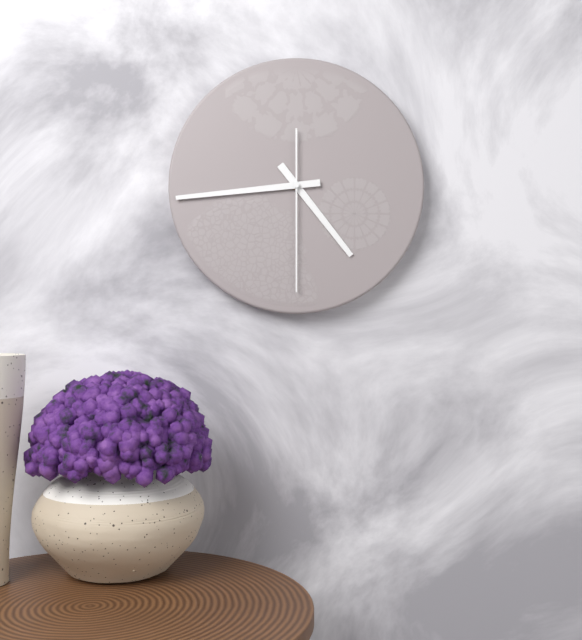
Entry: h=4 m=44 s=30
